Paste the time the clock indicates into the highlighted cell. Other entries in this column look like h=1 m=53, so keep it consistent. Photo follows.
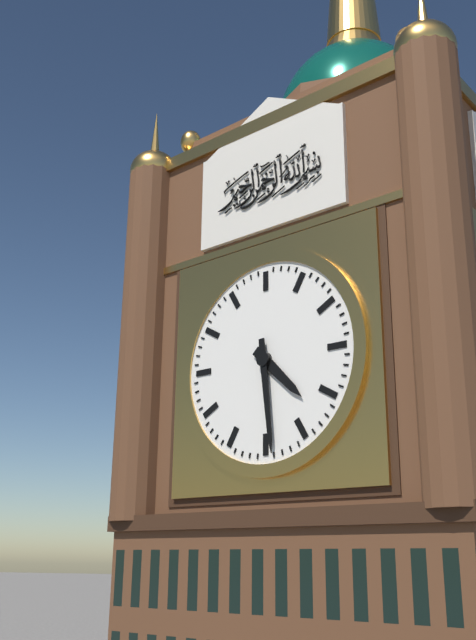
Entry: h=4 m=29
